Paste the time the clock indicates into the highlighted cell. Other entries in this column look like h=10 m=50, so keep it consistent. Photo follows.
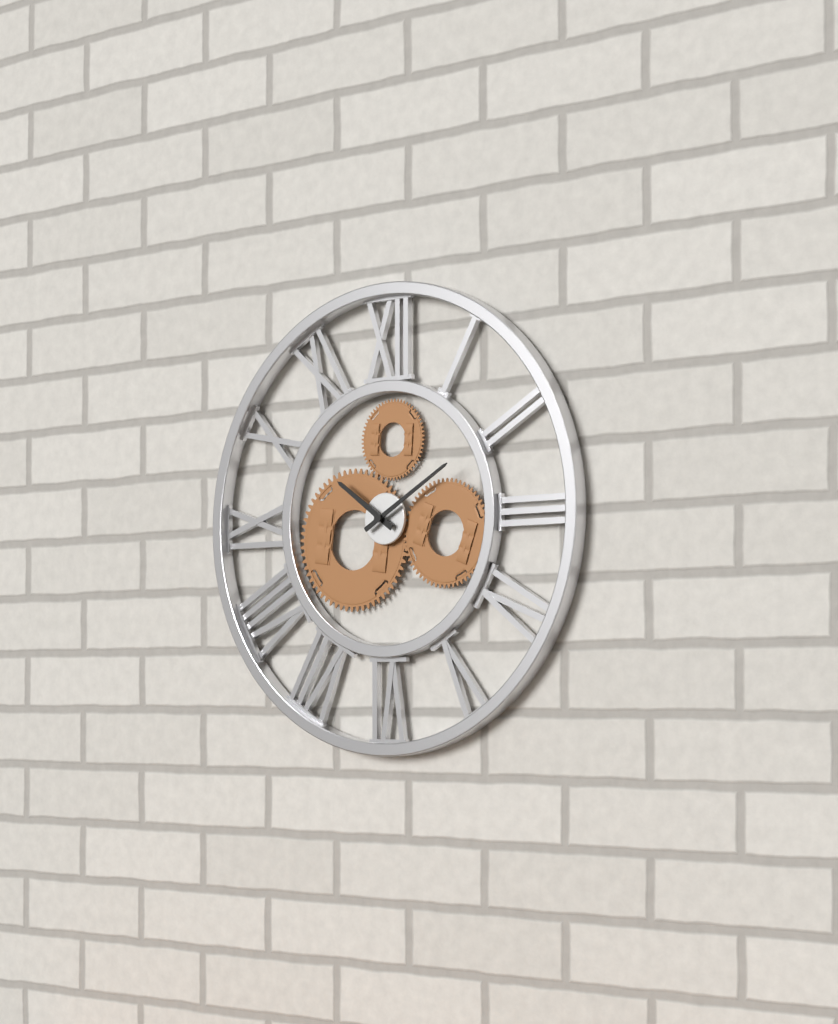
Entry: h=10 m=10
